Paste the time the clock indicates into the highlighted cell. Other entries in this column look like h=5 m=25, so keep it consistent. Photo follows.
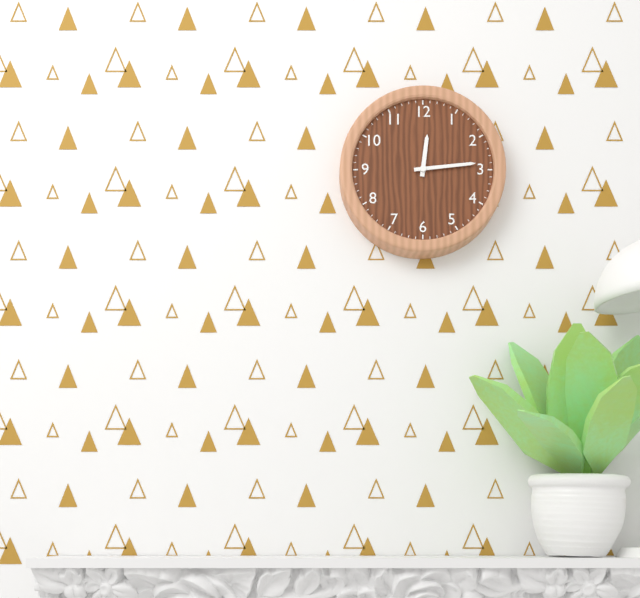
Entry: h=12 m=14
